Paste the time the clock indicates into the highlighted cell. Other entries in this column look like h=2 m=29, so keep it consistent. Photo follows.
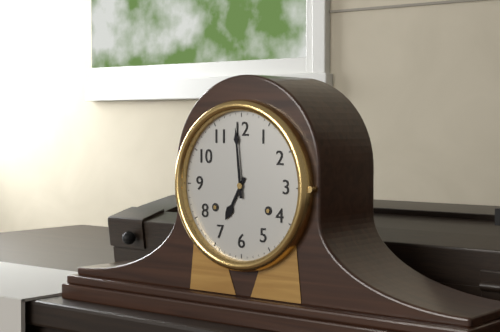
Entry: h=6 m=59
